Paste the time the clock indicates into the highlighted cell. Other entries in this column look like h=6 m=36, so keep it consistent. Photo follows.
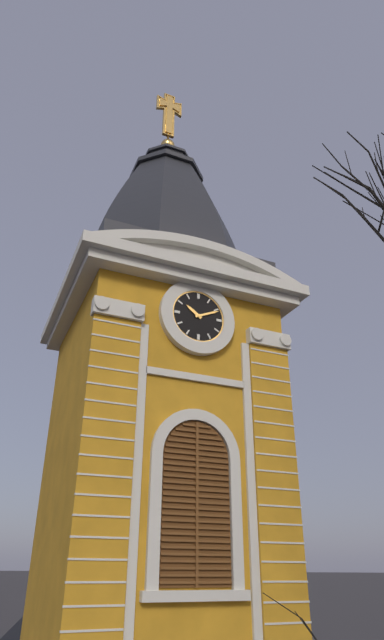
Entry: h=10 m=11
